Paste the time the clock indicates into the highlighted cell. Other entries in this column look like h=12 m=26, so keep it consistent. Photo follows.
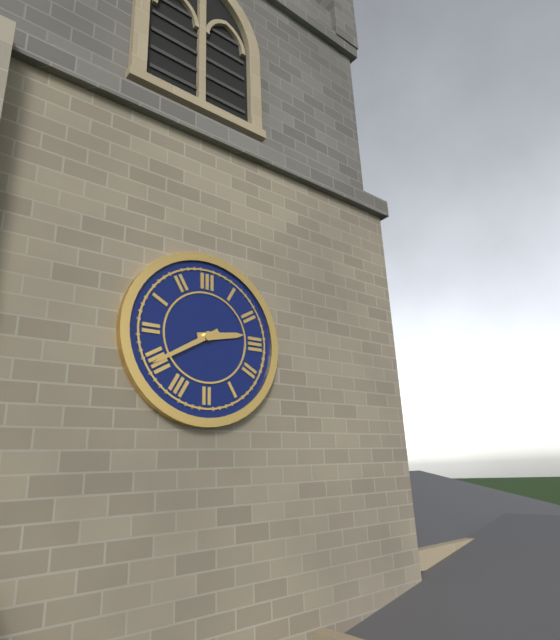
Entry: h=2 m=40
